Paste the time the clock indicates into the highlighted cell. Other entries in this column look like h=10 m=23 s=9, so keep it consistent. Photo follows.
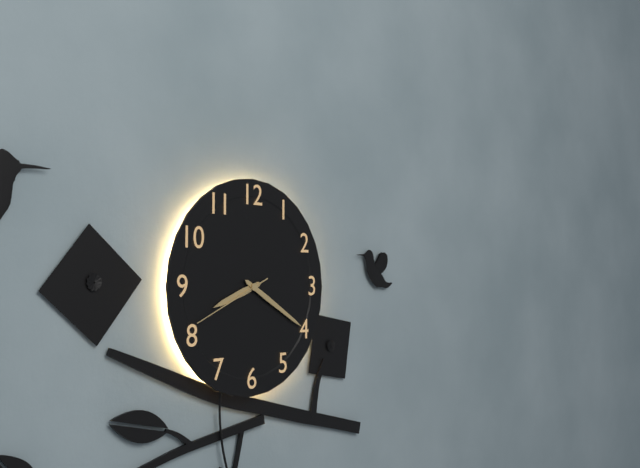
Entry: h=8 m=20 s=41
